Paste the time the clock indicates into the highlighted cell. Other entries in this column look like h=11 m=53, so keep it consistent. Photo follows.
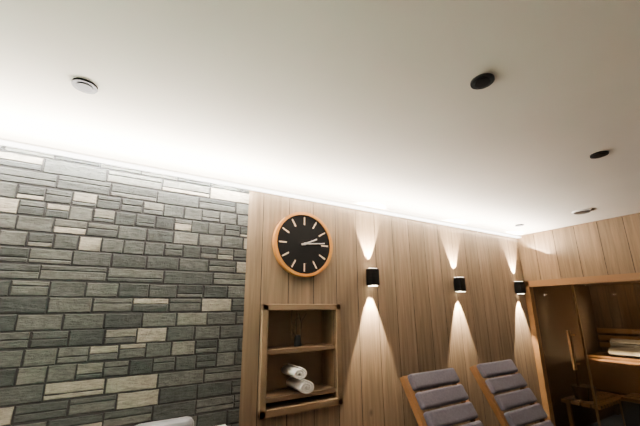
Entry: h=2 m=14
